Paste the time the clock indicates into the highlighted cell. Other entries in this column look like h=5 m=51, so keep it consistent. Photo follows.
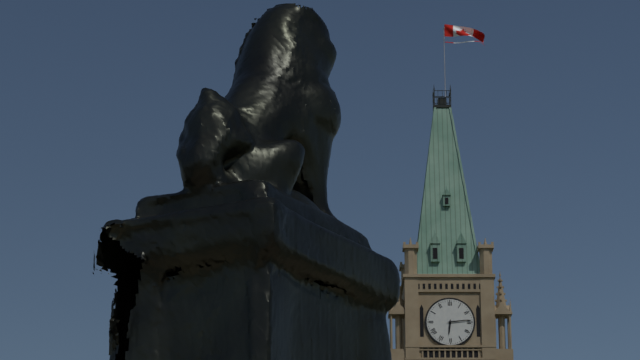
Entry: h=6 m=14
